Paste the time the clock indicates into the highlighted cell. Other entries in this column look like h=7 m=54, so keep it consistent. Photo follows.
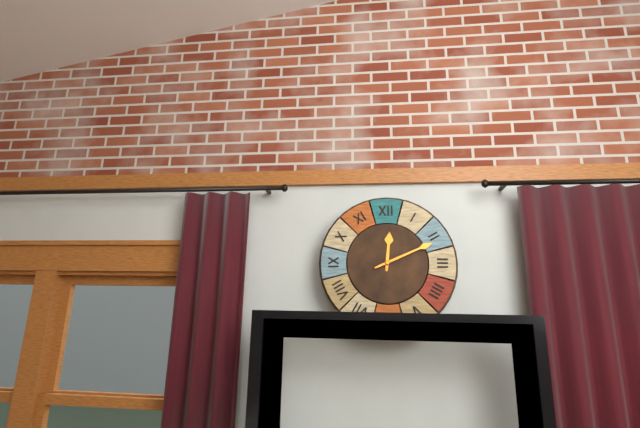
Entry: h=12 m=11
